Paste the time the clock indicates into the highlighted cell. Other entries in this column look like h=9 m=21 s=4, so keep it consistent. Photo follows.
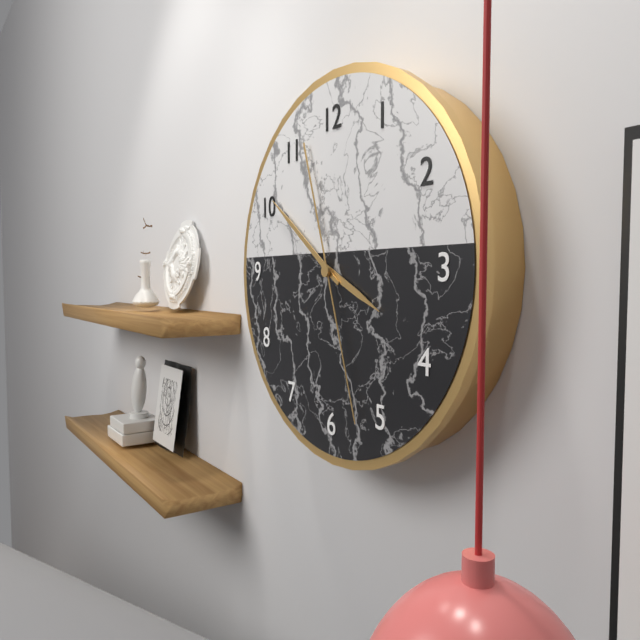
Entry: h=3 m=51 s=27
